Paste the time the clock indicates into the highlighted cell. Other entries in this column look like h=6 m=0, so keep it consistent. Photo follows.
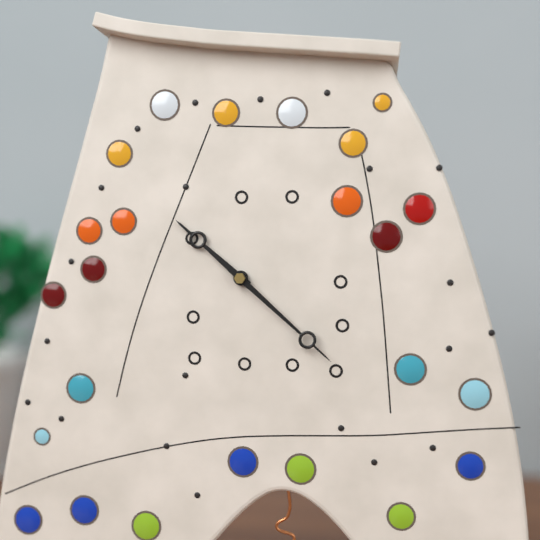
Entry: h=10 m=22
